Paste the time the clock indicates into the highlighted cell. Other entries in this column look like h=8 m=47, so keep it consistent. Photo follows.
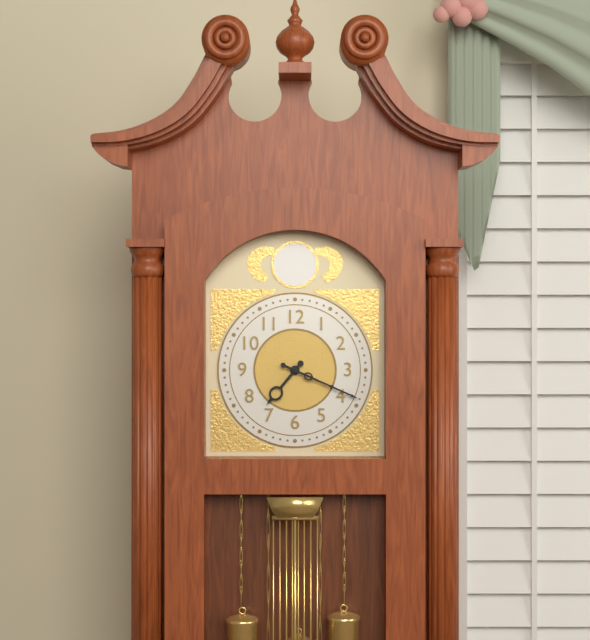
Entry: h=7 m=19
